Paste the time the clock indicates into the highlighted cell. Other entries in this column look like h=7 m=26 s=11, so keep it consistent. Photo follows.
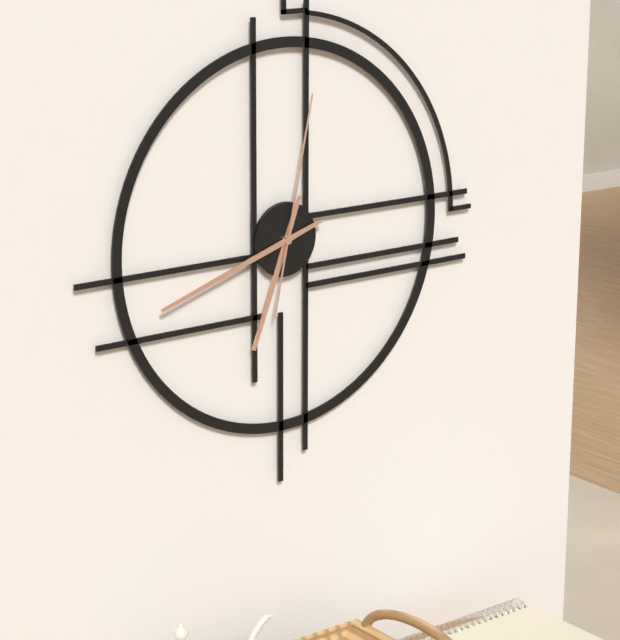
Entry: h=6 m=42 s=2
